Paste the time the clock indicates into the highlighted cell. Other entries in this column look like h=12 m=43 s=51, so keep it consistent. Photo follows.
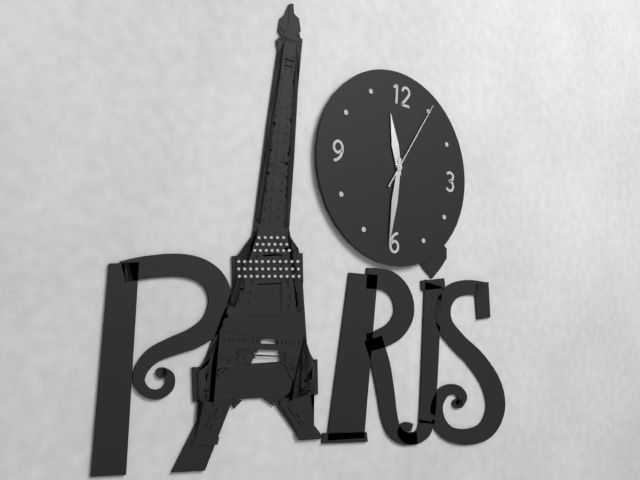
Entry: h=11 m=31 s=5
